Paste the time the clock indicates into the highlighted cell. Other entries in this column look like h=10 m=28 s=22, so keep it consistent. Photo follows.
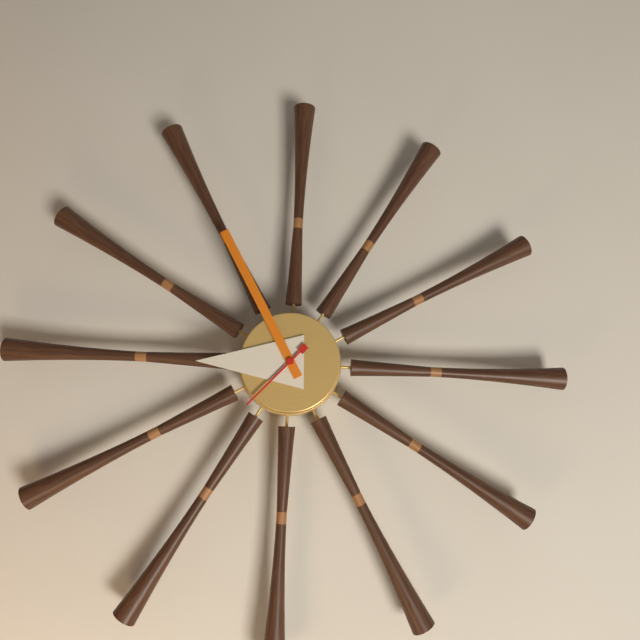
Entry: h=8 m=55 s=37
